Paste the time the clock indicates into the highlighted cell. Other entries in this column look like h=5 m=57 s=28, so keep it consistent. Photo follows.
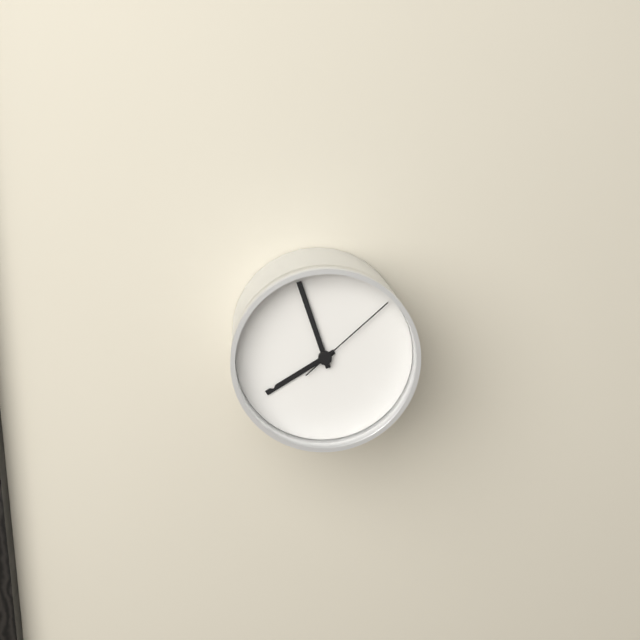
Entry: h=7 m=57 s=8
